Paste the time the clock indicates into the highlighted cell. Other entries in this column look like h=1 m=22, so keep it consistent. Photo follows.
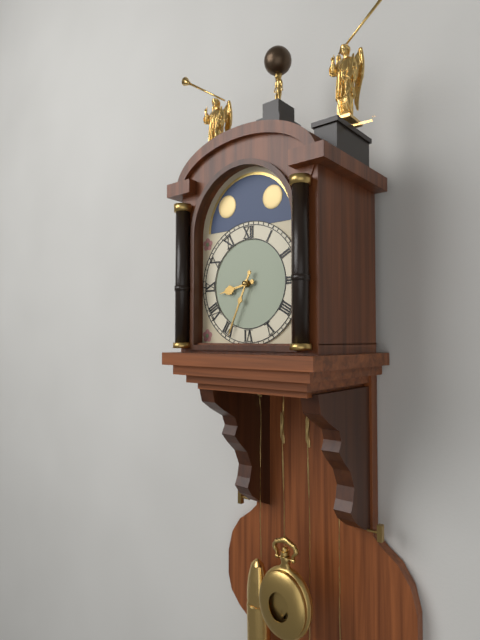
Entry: h=8 m=34
